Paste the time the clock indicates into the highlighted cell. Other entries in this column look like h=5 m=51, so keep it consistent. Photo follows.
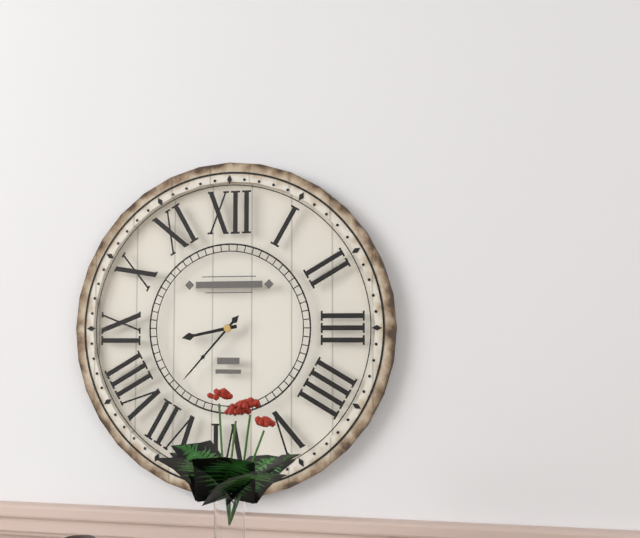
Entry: h=8 m=37
